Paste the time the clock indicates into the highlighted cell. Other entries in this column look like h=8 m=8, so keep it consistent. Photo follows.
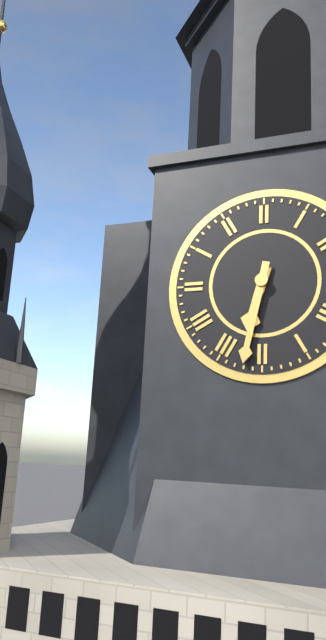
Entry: h=6 m=32
